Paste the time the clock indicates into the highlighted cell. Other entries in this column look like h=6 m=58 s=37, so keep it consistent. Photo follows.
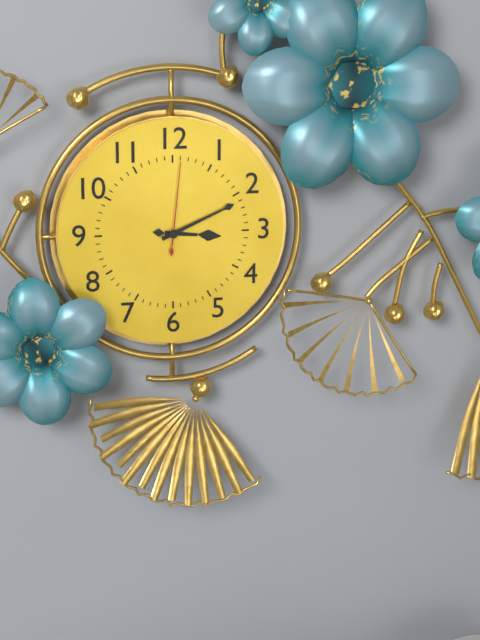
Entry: h=3 m=11 s=1
